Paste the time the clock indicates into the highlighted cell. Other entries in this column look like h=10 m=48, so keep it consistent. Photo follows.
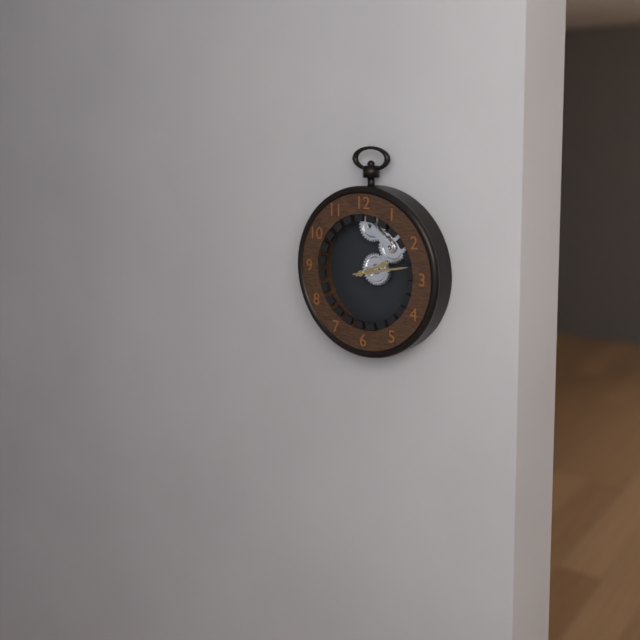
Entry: h=2 m=13
